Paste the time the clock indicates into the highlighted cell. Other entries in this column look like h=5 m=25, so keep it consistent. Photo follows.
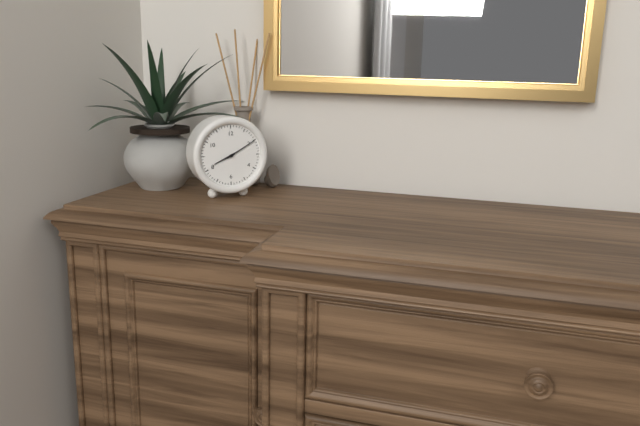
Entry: h=8 m=10
